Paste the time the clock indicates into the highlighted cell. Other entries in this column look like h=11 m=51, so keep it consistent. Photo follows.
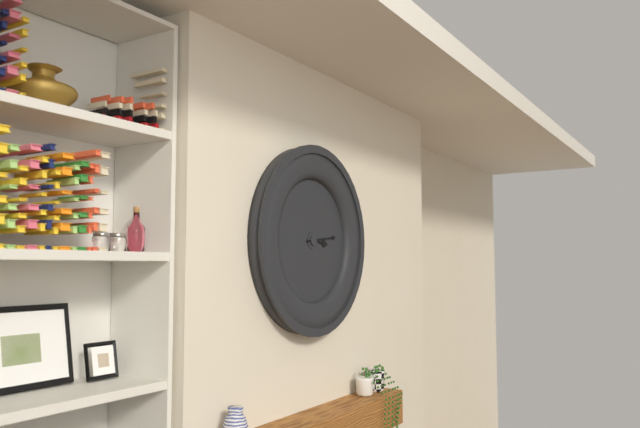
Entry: h=3 m=14
